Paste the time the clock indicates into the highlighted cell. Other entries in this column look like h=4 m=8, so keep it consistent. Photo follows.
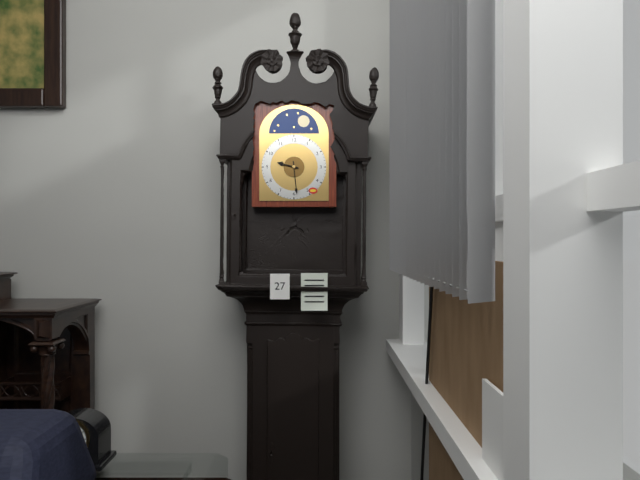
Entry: h=9 m=29
